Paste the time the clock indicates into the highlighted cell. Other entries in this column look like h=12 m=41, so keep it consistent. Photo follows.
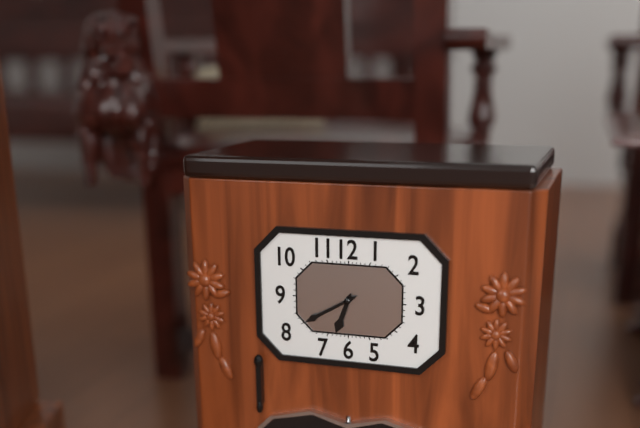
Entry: h=6 m=40
